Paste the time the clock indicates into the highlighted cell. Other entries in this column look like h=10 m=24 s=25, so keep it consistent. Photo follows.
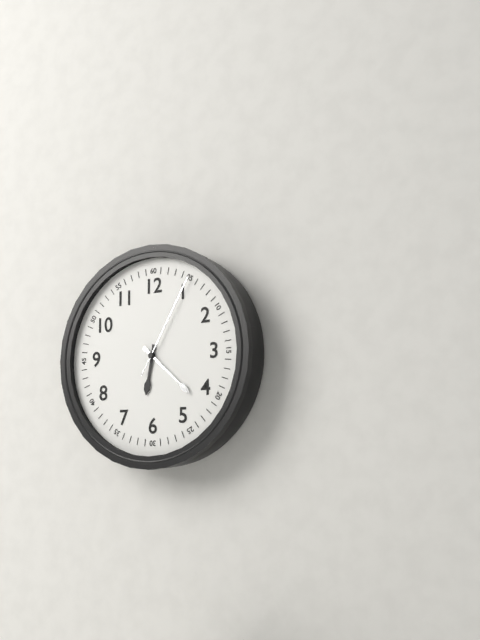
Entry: h=6 m=22 s=5
